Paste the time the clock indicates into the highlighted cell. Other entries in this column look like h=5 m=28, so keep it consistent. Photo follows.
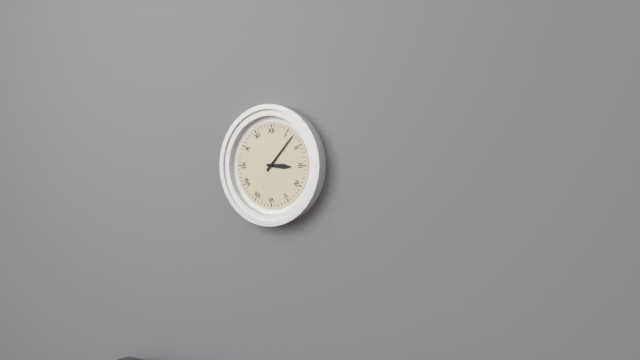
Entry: h=3 m=7
